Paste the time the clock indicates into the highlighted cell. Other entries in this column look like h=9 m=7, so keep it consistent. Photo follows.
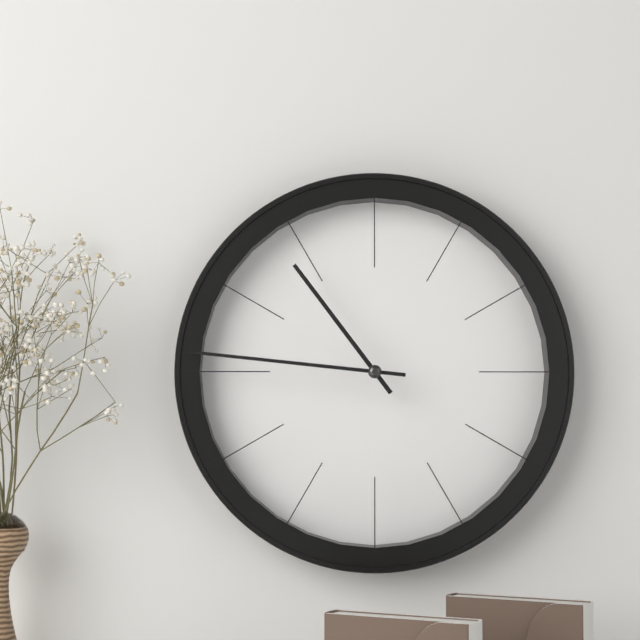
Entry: h=10 m=46
